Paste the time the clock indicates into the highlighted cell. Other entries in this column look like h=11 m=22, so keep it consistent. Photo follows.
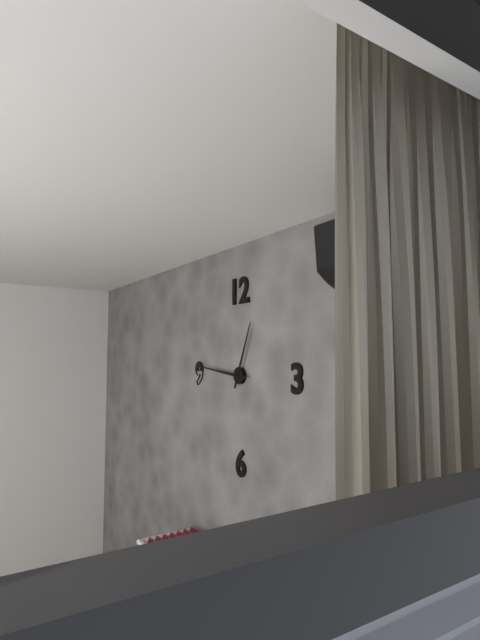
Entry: h=12 m=46
